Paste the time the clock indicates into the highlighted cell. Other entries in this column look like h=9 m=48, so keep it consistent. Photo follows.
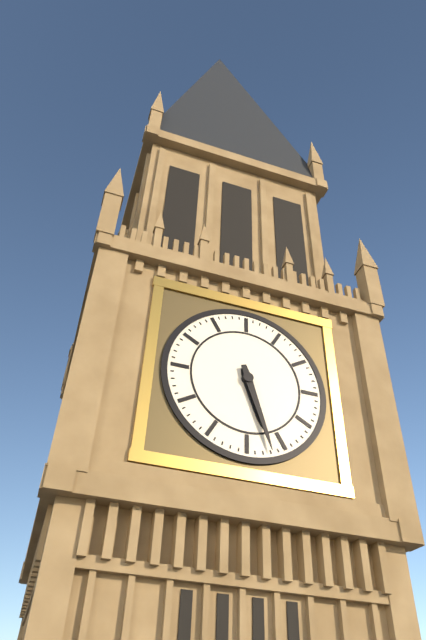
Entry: h=5 m=27
